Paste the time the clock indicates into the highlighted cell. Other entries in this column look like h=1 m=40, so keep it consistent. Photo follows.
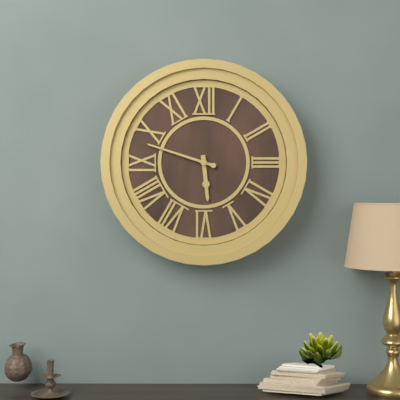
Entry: h=5 m=48
